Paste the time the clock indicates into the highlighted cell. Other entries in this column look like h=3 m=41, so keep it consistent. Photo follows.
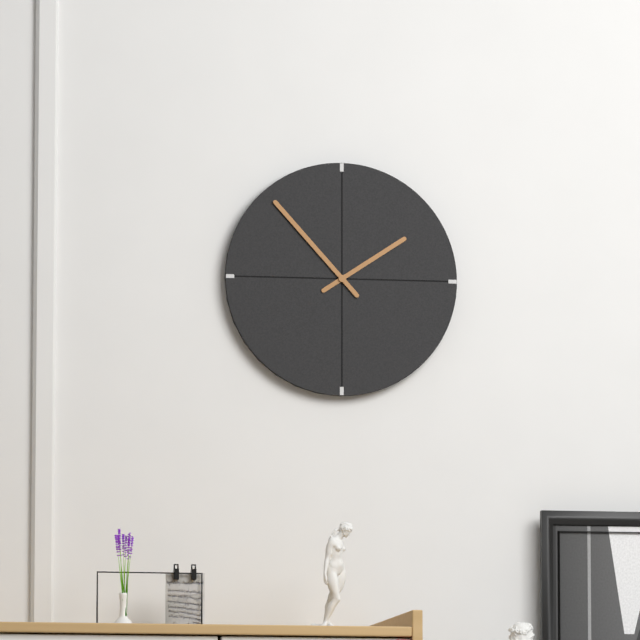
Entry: h=1 m=53
